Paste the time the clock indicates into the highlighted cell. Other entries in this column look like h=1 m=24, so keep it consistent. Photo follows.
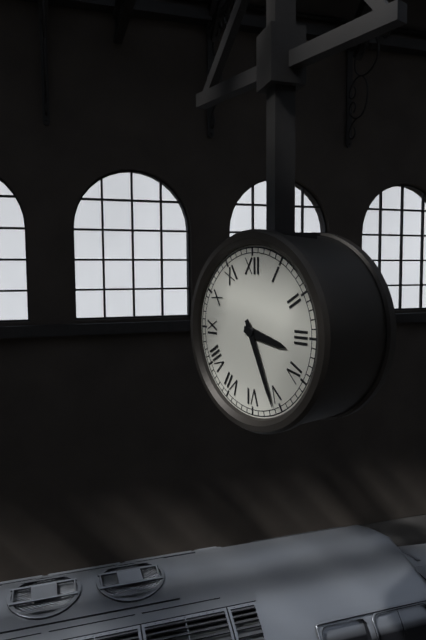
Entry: h=3 m=26
